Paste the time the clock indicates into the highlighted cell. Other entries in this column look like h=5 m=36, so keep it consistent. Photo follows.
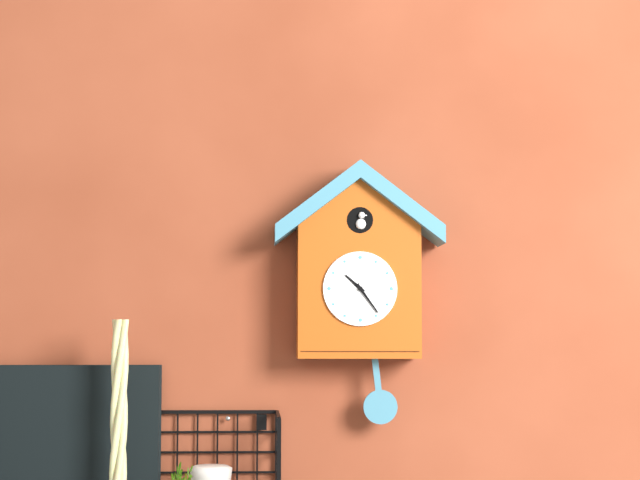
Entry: h=10 m=24
